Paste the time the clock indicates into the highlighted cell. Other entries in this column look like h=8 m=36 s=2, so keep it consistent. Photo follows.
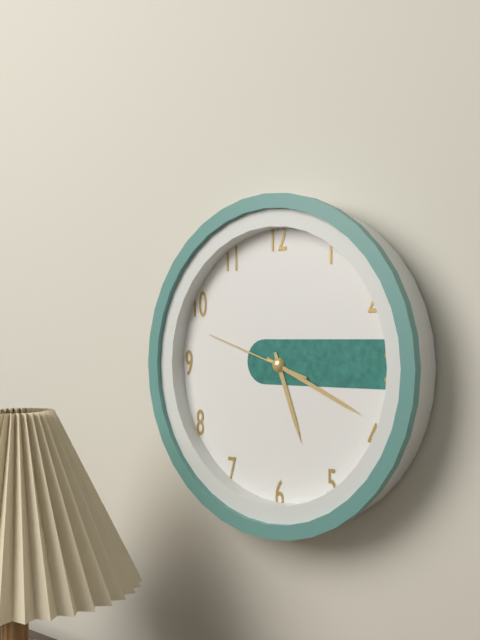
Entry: h=5 m=19 s=48
